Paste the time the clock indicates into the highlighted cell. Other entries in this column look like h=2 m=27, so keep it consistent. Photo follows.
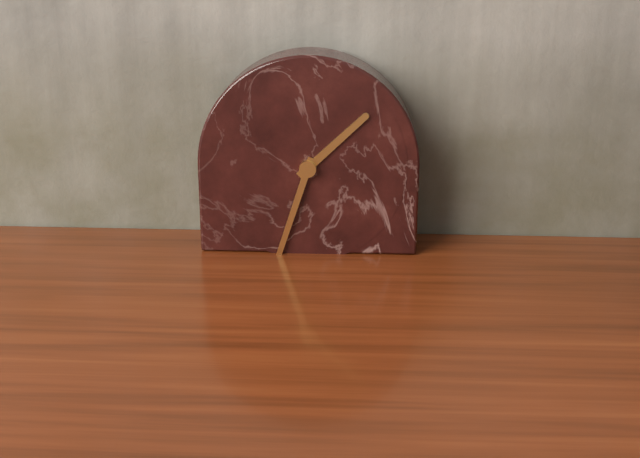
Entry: h=1 m=33
